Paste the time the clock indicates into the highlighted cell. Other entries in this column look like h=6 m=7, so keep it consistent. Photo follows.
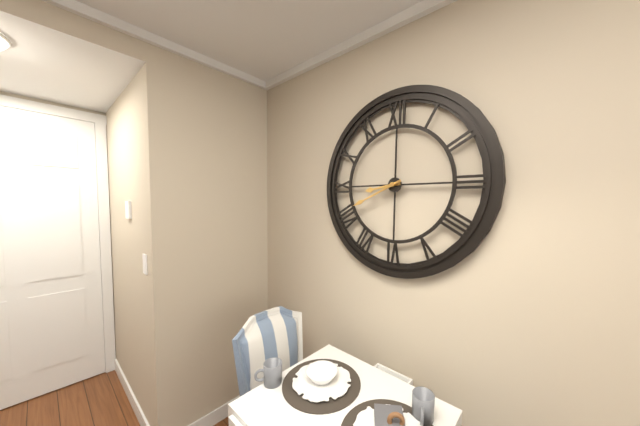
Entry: h=8 m=41
